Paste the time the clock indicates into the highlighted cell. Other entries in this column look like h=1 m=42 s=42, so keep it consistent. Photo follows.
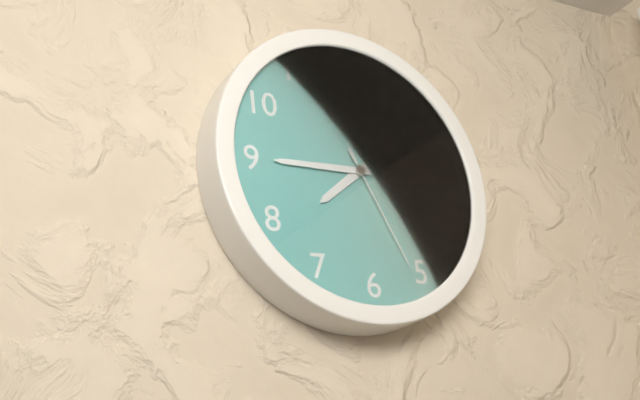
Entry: h=7 m=45 s=26
